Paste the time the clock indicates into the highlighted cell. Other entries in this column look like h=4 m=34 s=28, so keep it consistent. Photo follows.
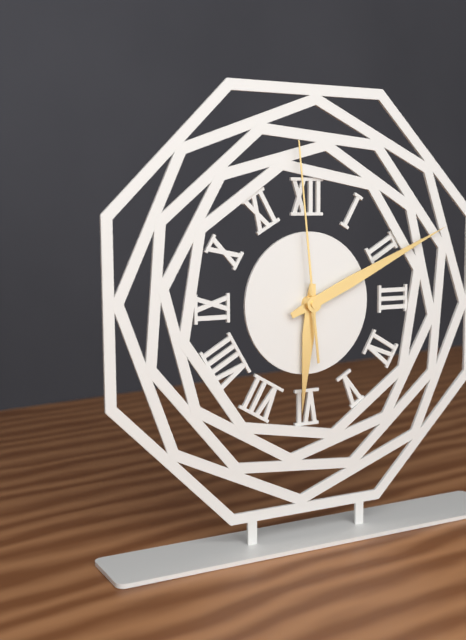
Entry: h=6 m=11 s=59
